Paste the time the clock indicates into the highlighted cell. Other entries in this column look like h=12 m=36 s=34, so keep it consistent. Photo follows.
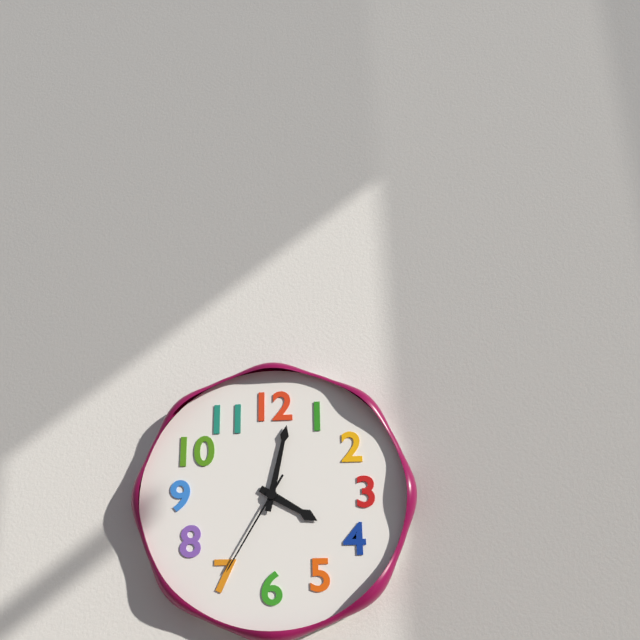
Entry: h=4 m=2 s=35
